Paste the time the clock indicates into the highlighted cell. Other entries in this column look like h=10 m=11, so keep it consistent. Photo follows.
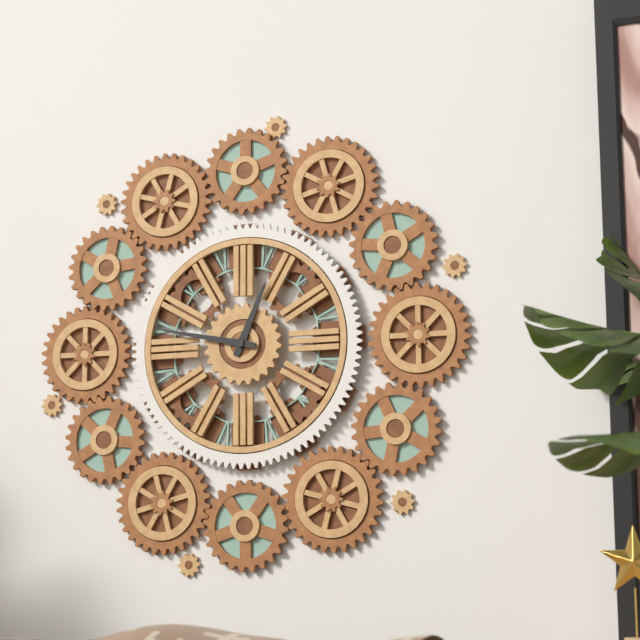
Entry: h=12 m=47
